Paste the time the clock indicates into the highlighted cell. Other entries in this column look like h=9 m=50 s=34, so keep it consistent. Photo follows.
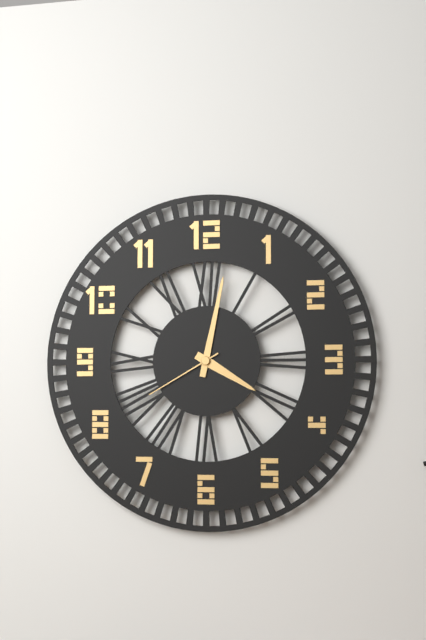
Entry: h=4 m=2 s=40
